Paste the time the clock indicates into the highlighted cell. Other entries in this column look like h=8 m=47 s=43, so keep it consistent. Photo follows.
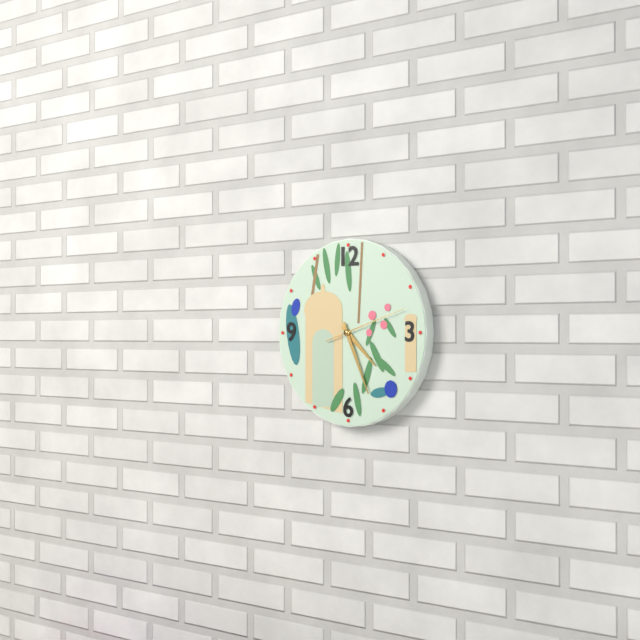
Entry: h=4 m=26 s=12
